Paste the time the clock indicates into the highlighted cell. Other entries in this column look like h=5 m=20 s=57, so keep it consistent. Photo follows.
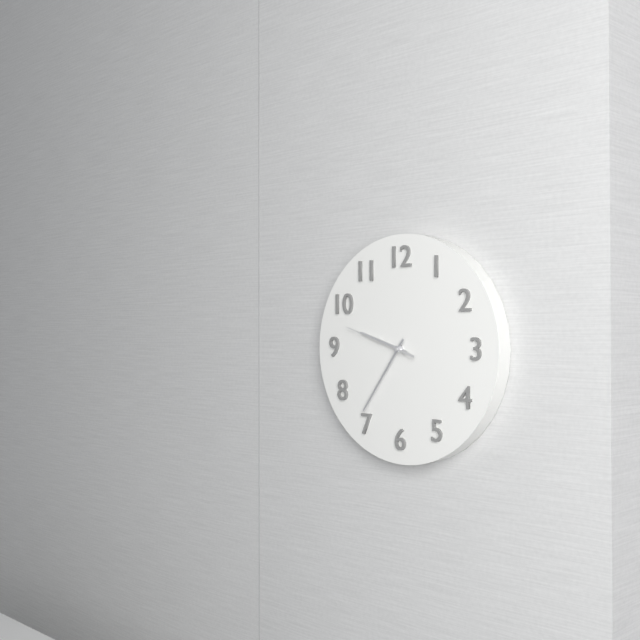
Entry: h=9 m=36 s=48
